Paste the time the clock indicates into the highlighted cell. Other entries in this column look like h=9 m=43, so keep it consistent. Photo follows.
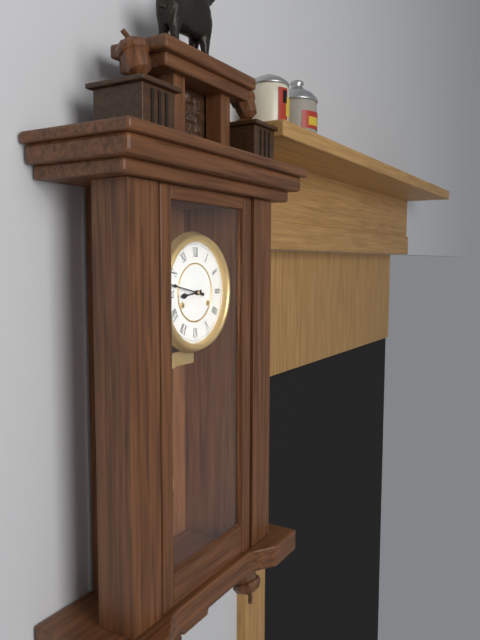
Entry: h=8 m=47
